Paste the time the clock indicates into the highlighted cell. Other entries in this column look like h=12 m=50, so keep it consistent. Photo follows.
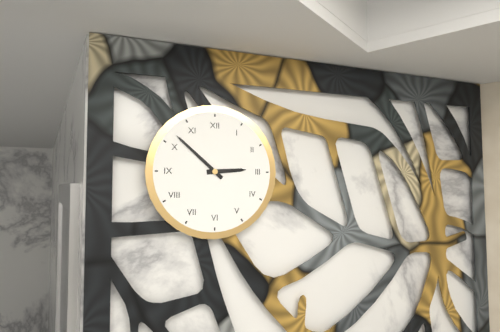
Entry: h=2 m=52
